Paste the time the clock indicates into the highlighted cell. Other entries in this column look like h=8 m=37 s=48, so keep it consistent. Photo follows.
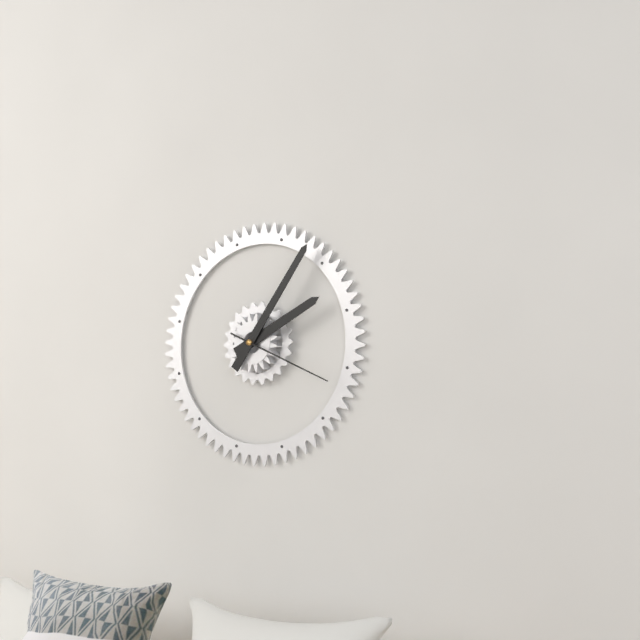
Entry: h=2 m=6 s=19
